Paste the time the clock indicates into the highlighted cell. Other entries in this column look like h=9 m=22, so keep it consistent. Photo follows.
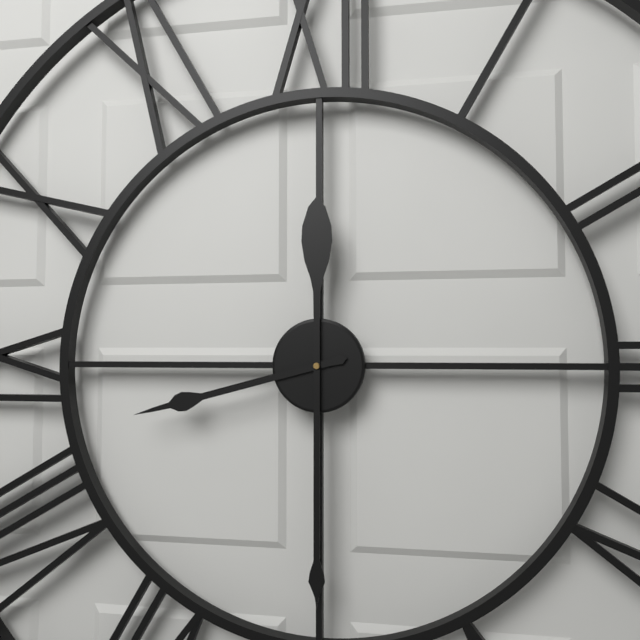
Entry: h=8 m=30
